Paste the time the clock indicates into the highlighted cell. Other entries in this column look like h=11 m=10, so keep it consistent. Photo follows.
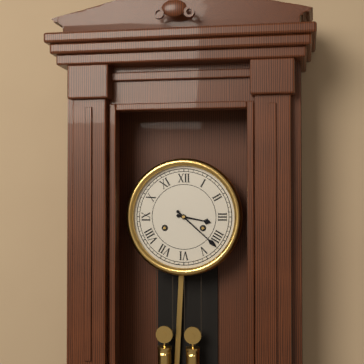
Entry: h=3 m=22
